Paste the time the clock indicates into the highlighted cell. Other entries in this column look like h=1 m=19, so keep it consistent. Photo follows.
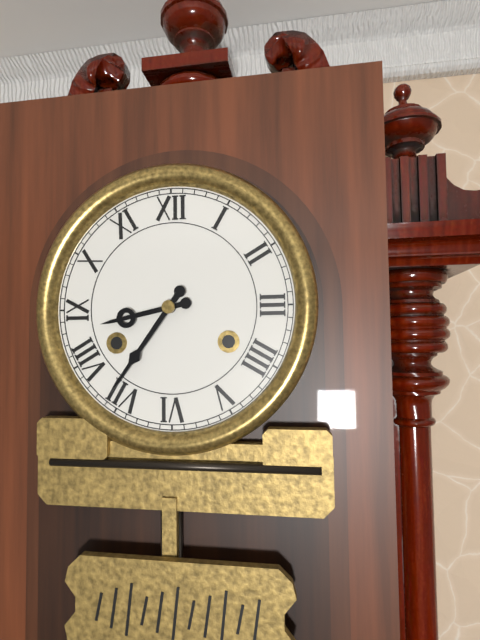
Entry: h=8 m=36
